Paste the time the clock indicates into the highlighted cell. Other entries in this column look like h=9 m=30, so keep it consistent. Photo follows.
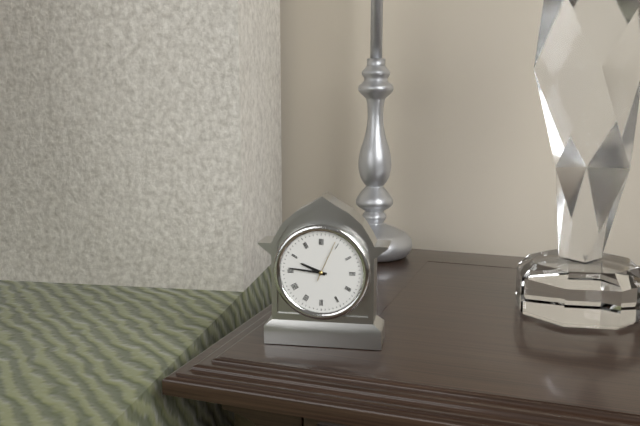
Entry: h=9 m=46
